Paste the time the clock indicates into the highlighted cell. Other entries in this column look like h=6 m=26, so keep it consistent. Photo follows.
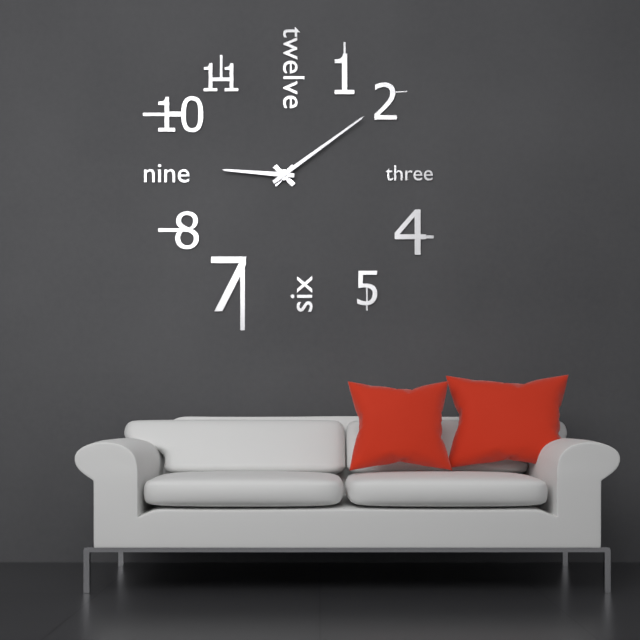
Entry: h=9 m=9
